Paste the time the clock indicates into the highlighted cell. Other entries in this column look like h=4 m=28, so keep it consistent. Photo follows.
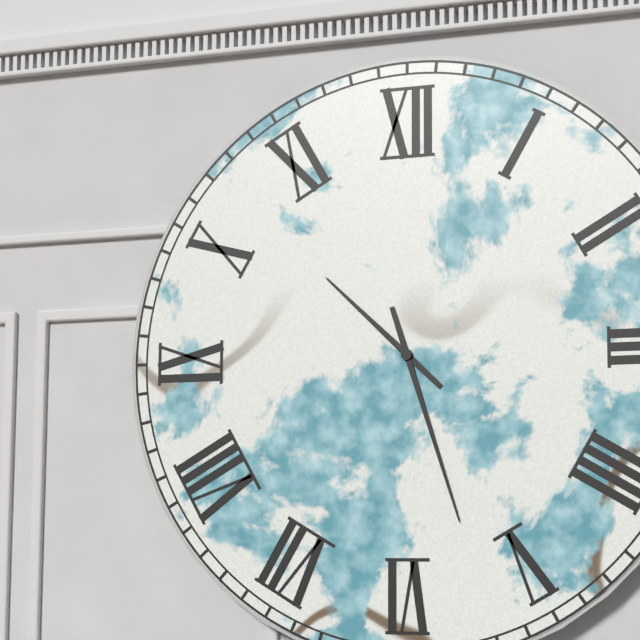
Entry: h=10 m=27
